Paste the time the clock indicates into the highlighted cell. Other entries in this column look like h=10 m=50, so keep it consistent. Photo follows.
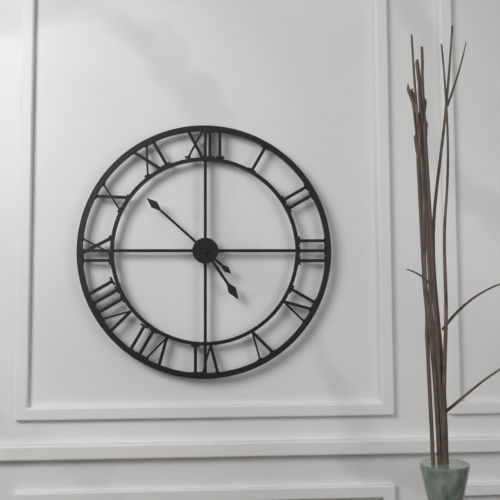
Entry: h=4 m=52
